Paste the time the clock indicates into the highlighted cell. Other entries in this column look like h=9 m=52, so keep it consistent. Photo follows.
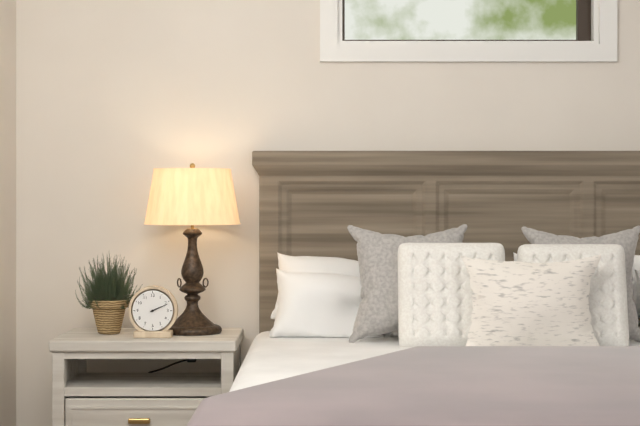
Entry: h=2 m=11
